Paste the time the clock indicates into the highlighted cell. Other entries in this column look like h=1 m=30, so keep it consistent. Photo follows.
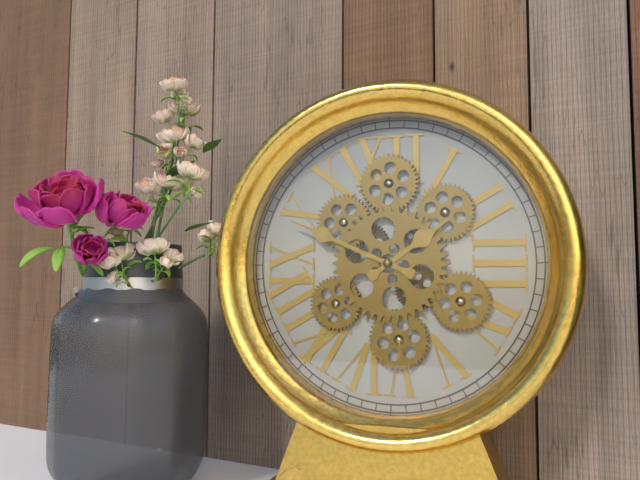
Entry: h=1 m=49
